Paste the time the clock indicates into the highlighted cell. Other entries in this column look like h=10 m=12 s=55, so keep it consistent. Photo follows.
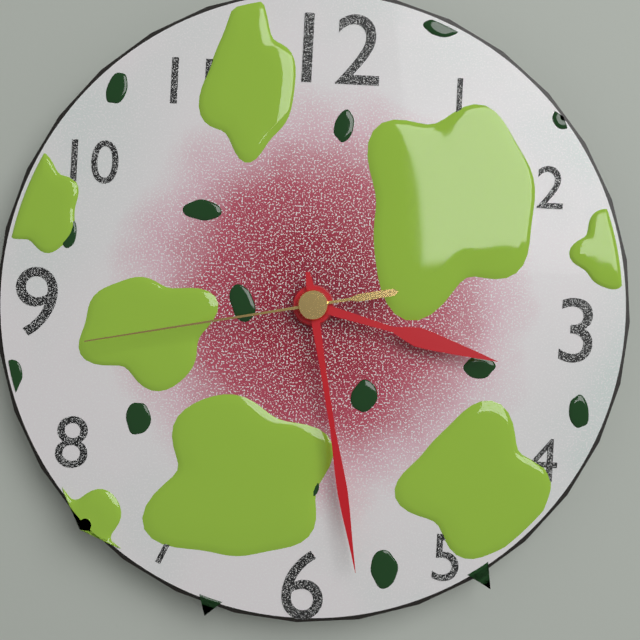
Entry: h=3 m=28 s=43
